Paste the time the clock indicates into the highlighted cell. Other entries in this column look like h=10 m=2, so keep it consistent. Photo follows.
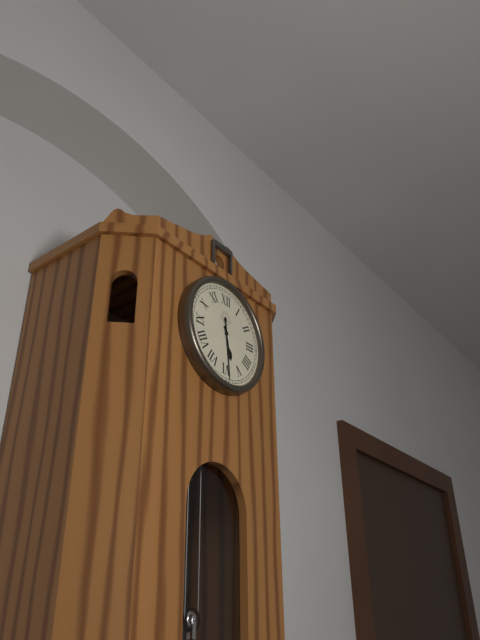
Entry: h=5 m=29
